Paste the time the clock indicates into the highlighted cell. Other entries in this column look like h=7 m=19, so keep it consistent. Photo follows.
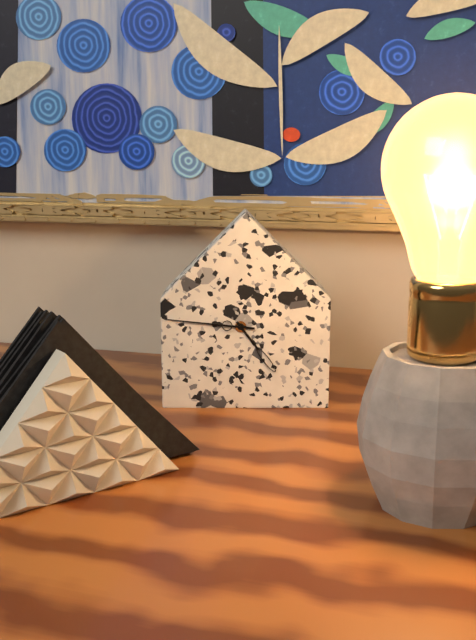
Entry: h=4 m=46
